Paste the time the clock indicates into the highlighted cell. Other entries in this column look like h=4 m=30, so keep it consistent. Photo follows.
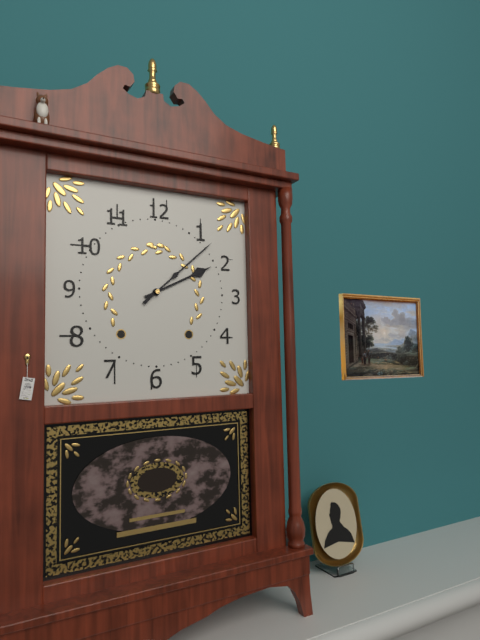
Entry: h=2 m=8
